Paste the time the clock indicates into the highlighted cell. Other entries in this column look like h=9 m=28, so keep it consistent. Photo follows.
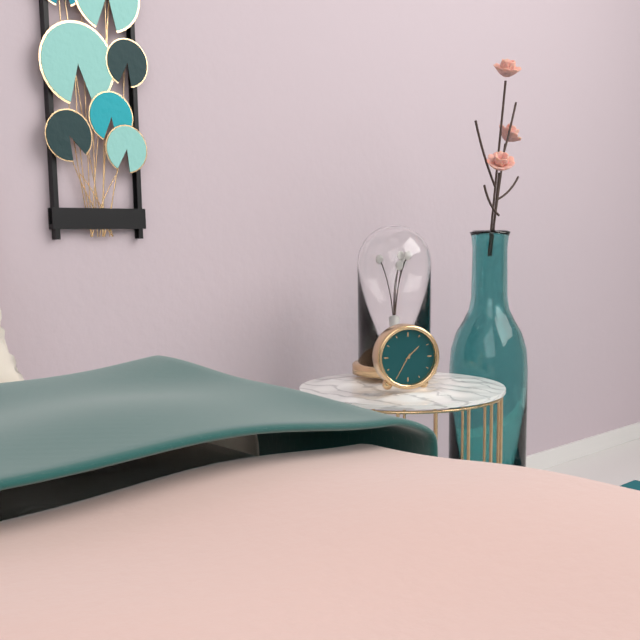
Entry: h=1 m=35
